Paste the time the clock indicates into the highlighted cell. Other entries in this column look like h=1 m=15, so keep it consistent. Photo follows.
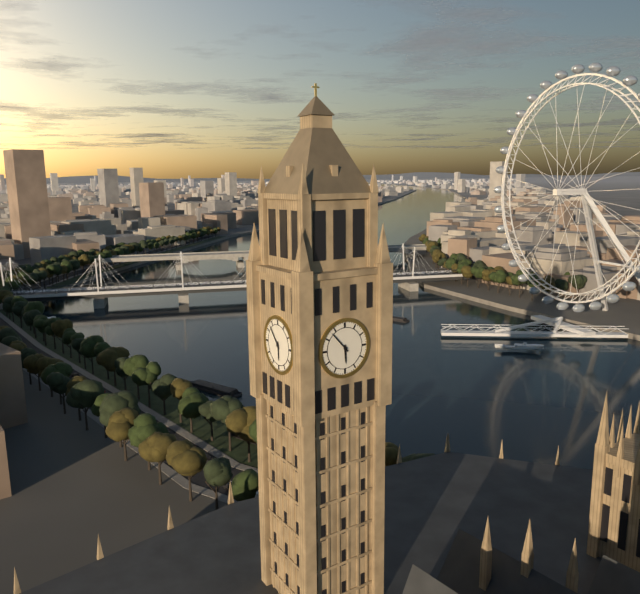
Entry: h=5 m=53
